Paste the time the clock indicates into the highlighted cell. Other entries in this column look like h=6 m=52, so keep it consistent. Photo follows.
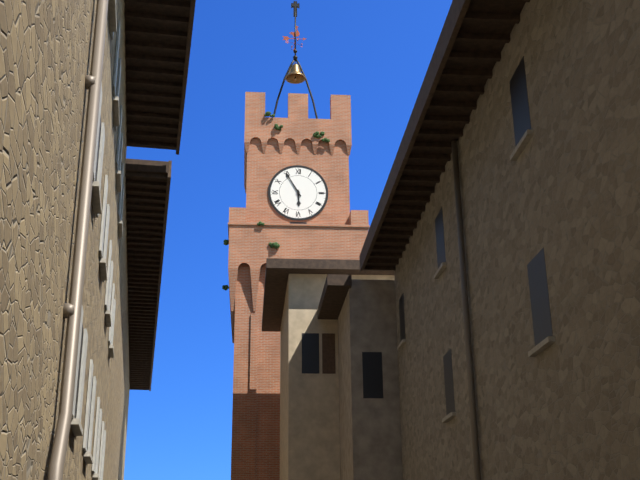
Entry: h=5 m=55
